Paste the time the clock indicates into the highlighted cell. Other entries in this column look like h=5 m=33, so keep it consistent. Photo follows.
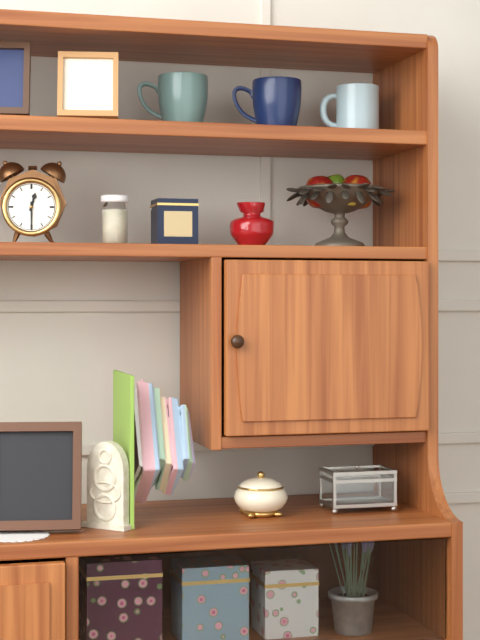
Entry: h=12 m=30
